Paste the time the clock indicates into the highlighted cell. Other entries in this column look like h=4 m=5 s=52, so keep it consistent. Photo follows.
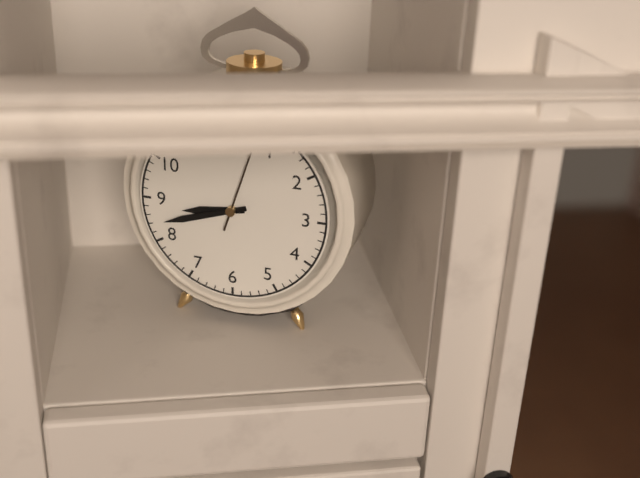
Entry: h=8 m=42 s=3
